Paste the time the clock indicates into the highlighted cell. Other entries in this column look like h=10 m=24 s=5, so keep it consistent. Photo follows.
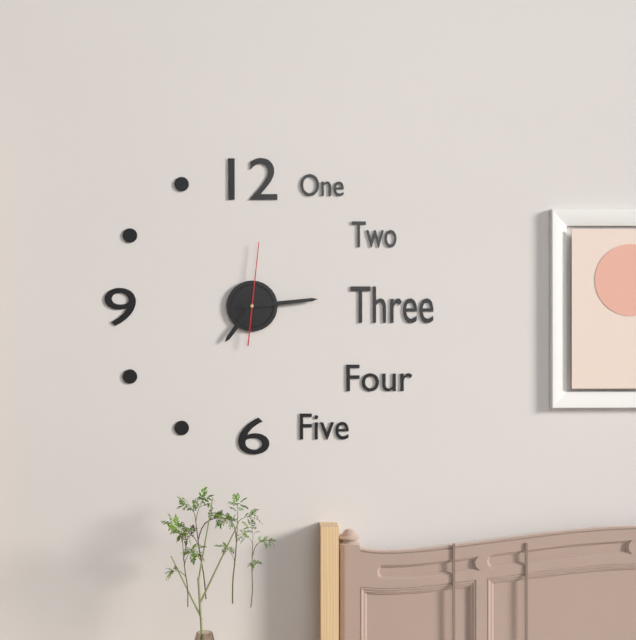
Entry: h=7 m=14 s=1
